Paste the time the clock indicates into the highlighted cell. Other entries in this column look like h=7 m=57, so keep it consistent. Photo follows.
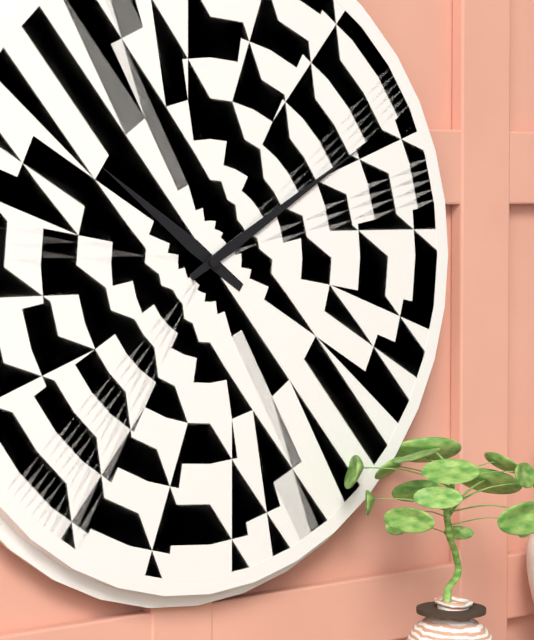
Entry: h=10 m=10
